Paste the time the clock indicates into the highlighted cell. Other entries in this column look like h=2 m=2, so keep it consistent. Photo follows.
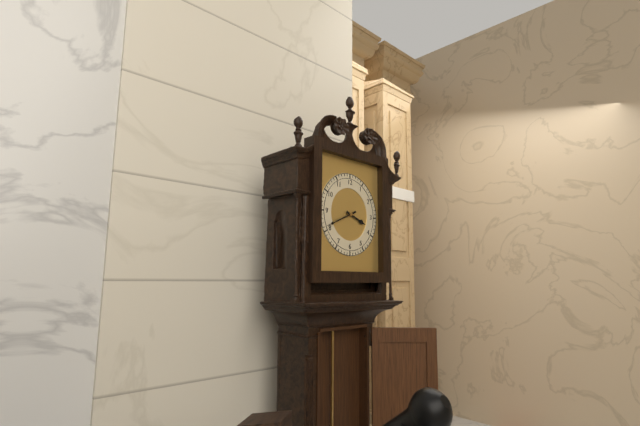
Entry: h=3 m=41
